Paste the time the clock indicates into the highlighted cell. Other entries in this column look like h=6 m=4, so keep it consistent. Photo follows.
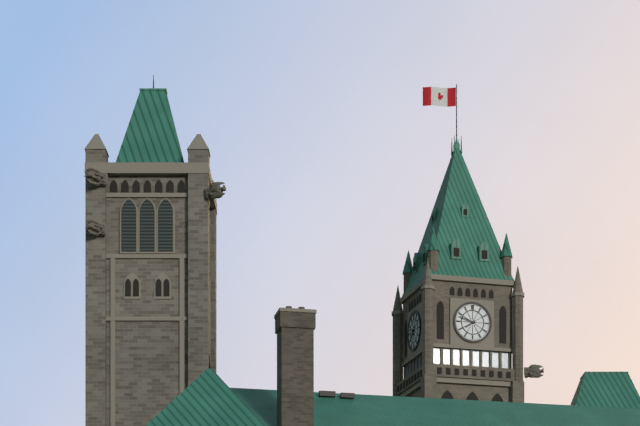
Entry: h=7 m=48
